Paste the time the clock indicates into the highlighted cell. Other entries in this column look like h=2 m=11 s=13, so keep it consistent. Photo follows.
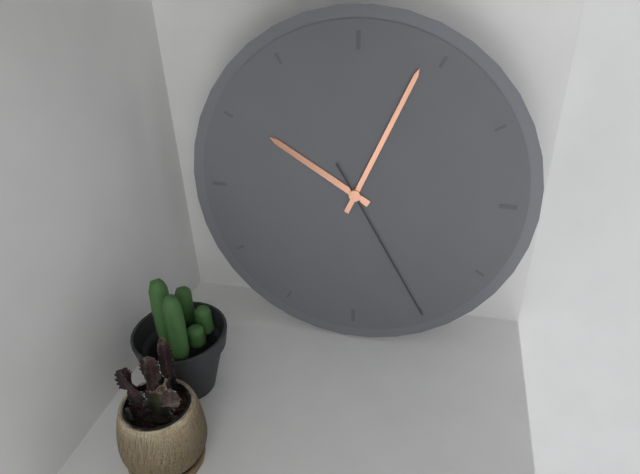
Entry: h=10 m=4 s=25
